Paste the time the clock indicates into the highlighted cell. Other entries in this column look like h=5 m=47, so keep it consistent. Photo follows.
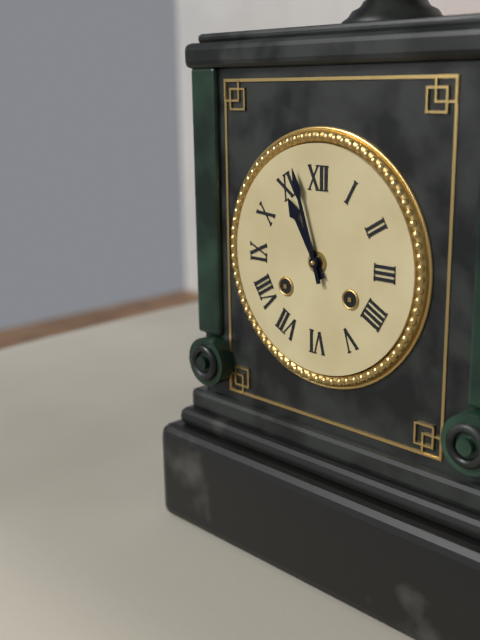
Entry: h=10 m=57
